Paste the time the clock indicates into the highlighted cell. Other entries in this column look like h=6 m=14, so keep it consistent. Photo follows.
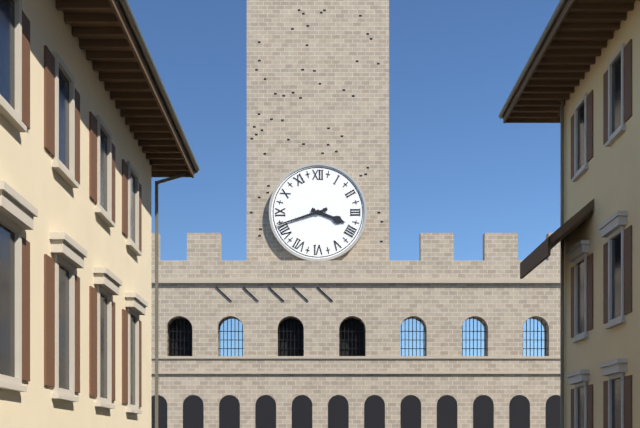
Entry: h=3 m=42
